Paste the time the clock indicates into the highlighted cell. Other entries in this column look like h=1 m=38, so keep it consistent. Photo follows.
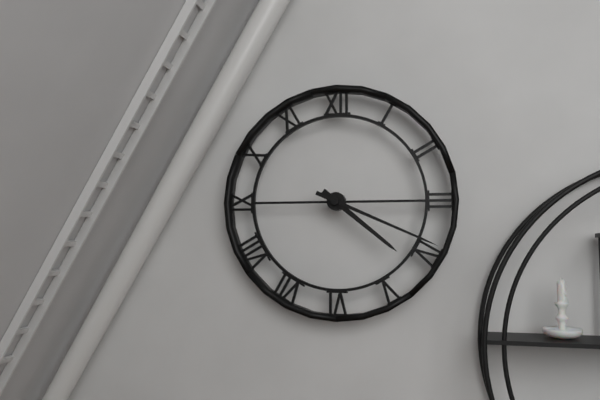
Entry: h=4 m=19
